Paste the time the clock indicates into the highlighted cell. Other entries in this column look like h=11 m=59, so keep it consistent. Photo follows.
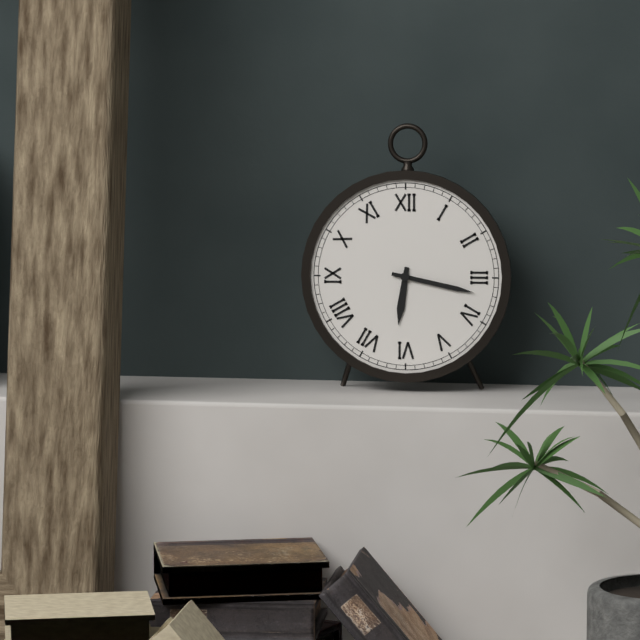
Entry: h=6 m=17
